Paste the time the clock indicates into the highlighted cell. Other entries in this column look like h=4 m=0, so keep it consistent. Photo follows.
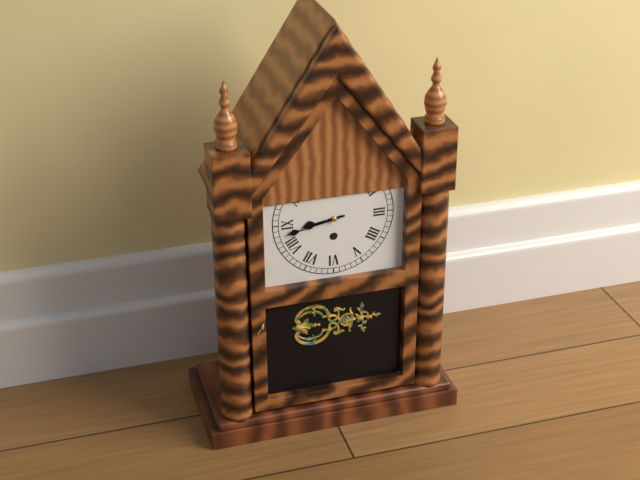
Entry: h=8 m=43
